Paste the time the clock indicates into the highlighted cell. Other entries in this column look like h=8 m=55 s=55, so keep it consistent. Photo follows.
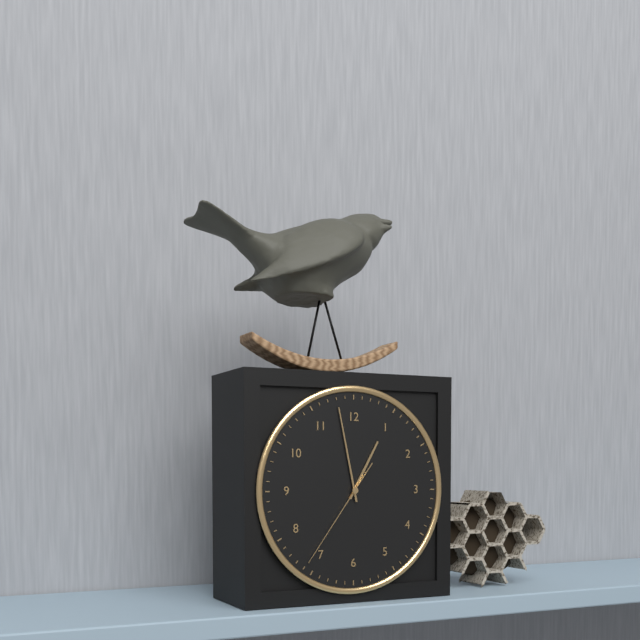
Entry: h=12 m=58 s=36
